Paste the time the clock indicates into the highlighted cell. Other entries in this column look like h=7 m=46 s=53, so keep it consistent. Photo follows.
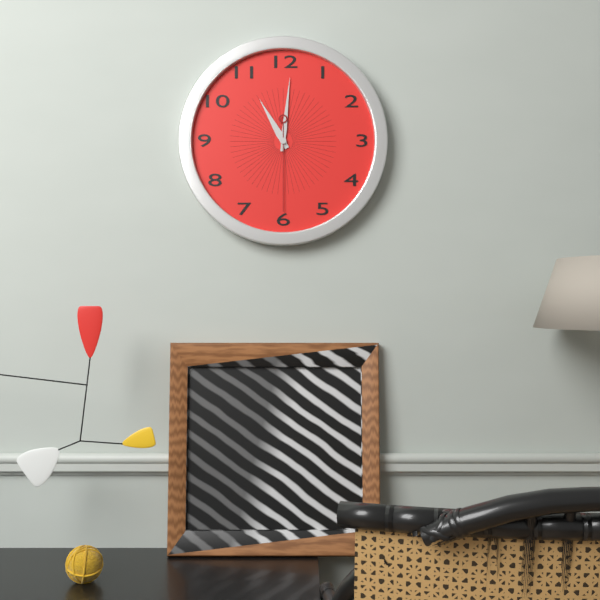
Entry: h=11 m=1 s=30
